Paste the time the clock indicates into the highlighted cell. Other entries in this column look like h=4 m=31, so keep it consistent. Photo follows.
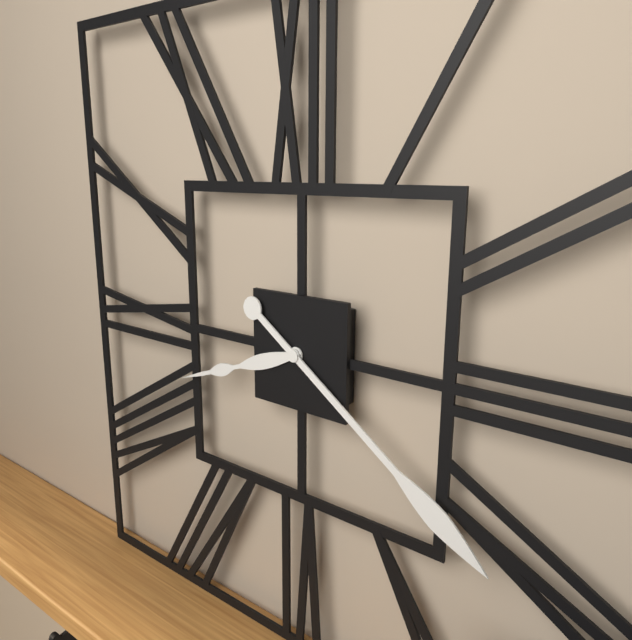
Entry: h=8 m=21
